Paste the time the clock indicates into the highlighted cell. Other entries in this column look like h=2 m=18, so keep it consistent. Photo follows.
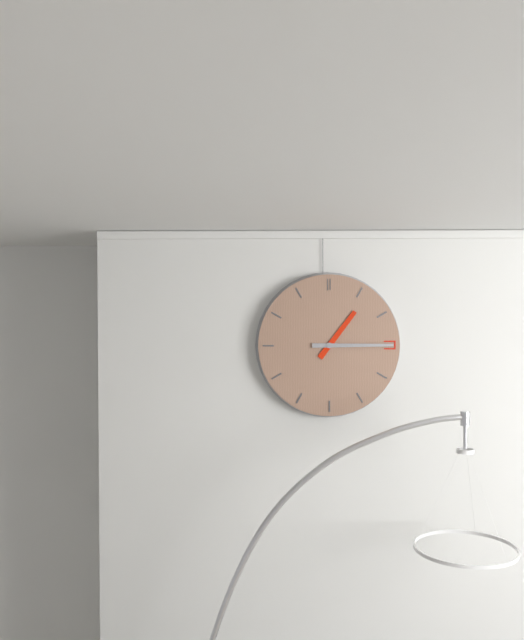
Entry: h=1 m=15
